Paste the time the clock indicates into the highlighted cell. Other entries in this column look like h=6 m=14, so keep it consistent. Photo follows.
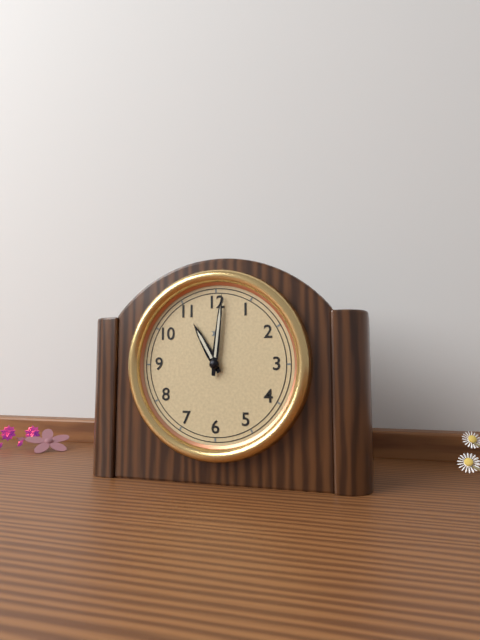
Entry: h=11 m=1
